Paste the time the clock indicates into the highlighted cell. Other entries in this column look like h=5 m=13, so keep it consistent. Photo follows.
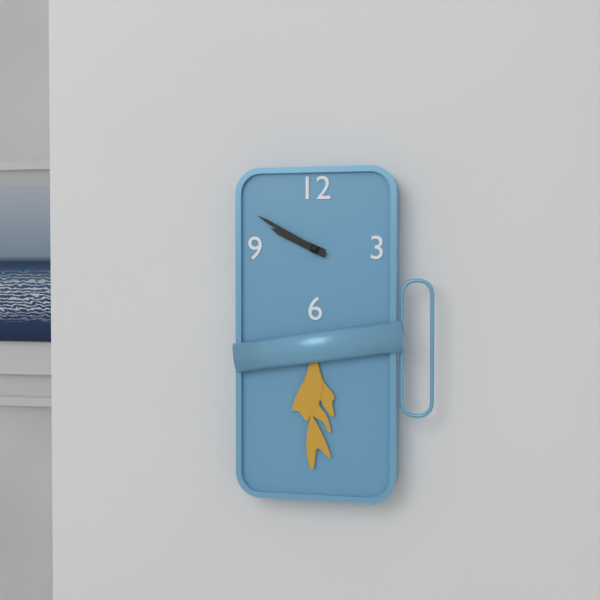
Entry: h=9 m=50
